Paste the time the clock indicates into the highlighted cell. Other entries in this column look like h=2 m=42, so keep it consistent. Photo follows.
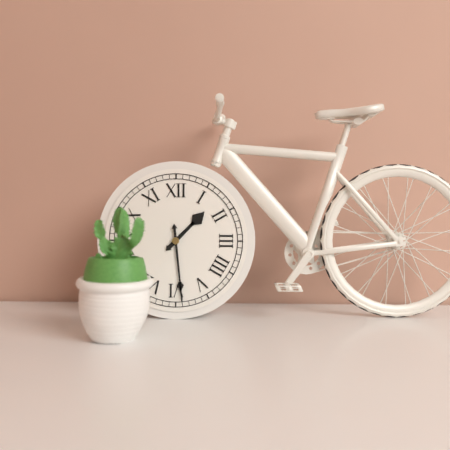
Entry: h=1 m=29
